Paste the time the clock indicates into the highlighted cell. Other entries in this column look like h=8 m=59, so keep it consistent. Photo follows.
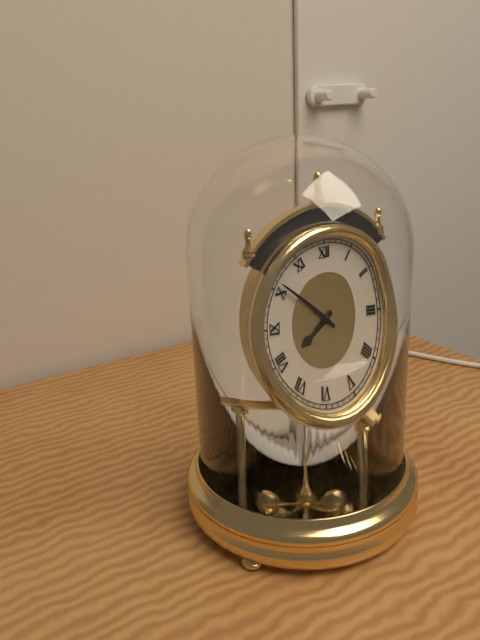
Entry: h=7 m=51
